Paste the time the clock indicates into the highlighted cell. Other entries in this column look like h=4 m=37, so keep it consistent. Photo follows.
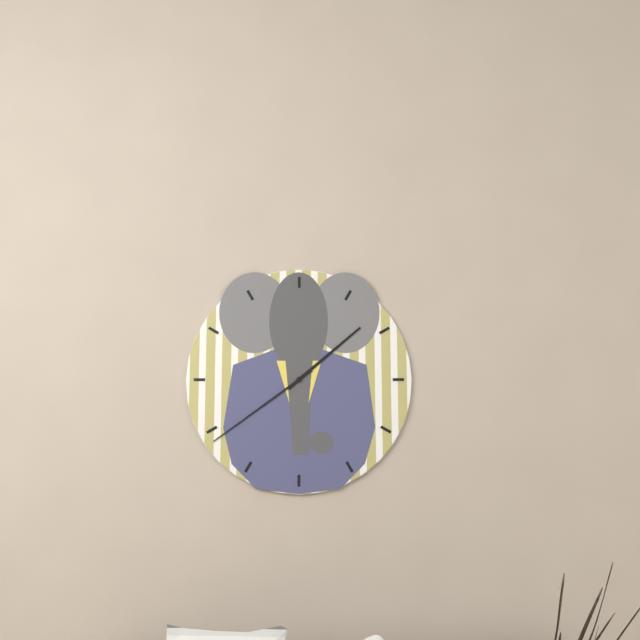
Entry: h=1 m=39
